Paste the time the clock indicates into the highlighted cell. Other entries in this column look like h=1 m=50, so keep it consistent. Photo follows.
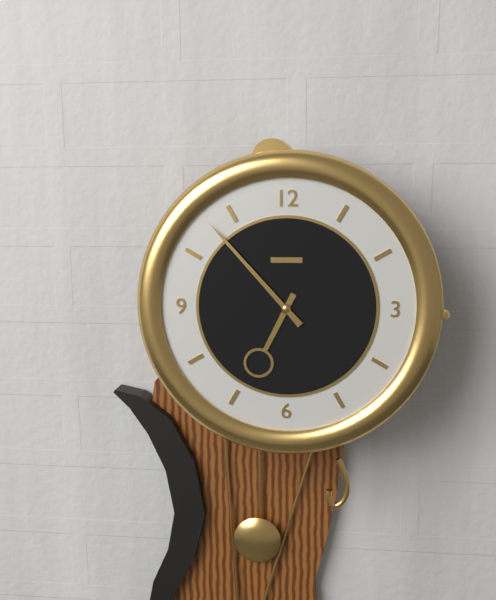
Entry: h=6 m=53
